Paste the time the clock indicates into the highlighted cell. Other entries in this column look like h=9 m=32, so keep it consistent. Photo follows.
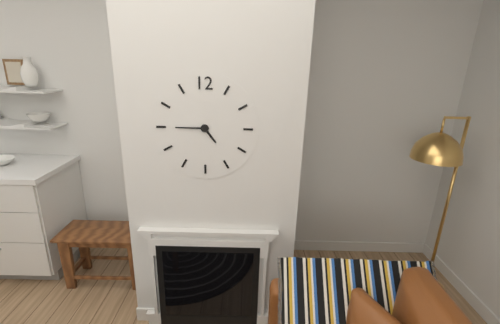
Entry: h=4 m=45
